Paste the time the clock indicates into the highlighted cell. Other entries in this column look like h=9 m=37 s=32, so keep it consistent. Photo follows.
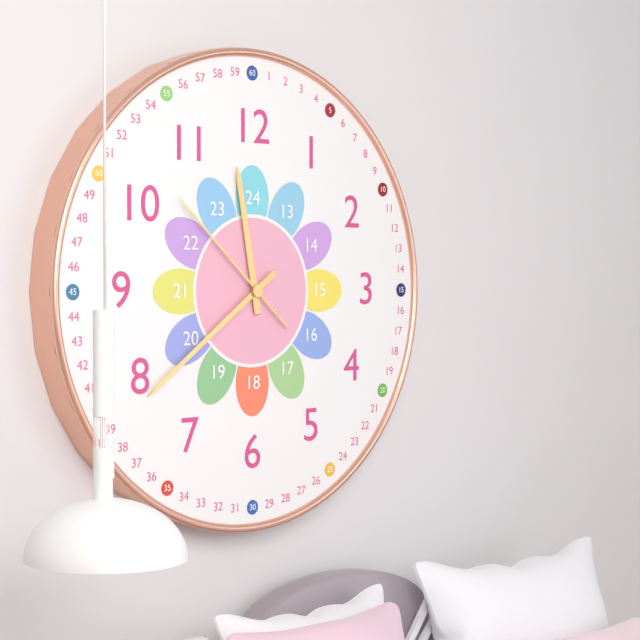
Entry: h=11 m=39 s=52
